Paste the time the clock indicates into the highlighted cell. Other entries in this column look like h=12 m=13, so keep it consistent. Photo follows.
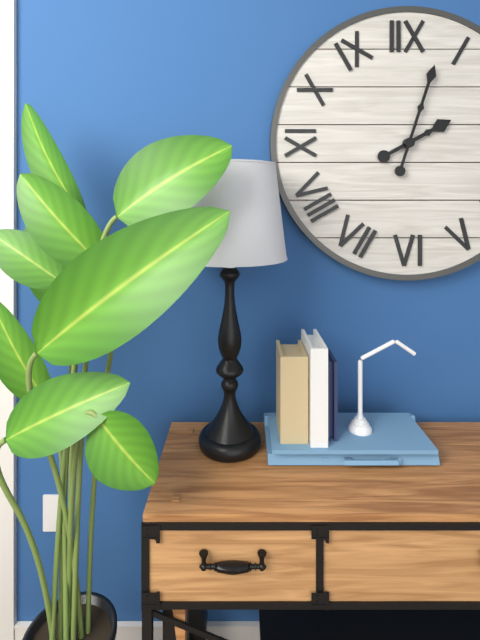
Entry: h=2 m=3
